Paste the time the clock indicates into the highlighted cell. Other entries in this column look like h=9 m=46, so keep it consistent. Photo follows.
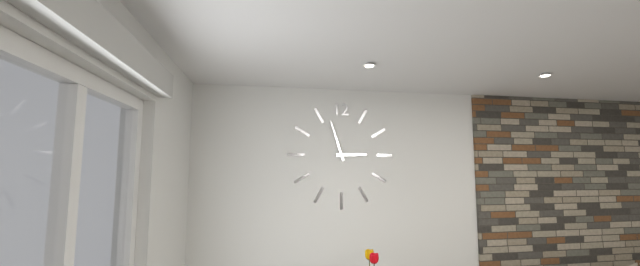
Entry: h=2 m=57
